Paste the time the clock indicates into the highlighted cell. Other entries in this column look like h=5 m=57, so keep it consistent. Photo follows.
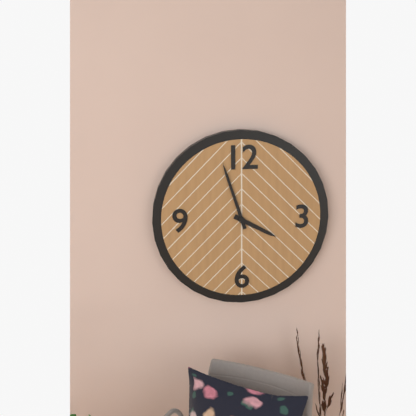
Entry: h=3 m=57
